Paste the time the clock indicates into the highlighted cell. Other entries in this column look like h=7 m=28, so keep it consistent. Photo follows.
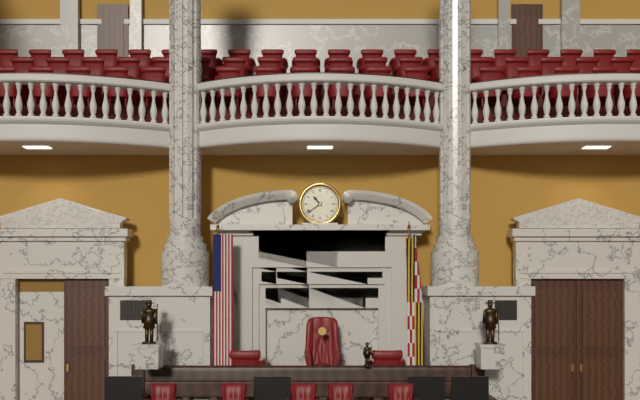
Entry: h=10 m=39
